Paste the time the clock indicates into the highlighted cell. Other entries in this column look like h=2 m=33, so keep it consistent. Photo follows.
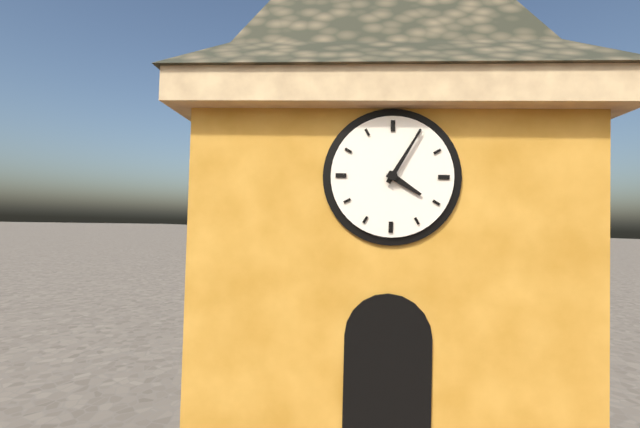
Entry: h=4 m=5
